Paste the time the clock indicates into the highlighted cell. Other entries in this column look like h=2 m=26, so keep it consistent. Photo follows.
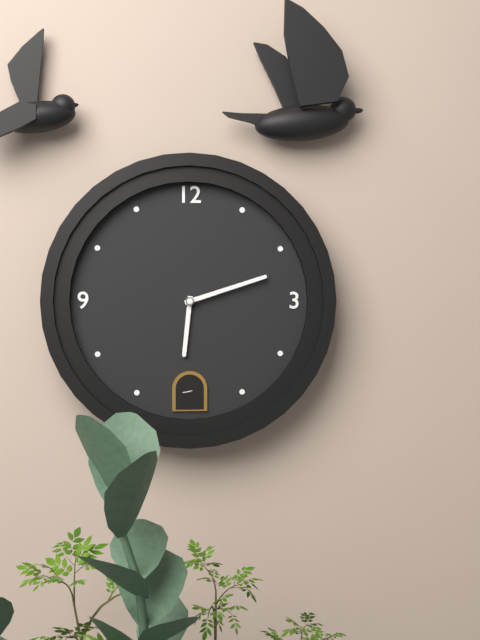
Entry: h=6 m=12
